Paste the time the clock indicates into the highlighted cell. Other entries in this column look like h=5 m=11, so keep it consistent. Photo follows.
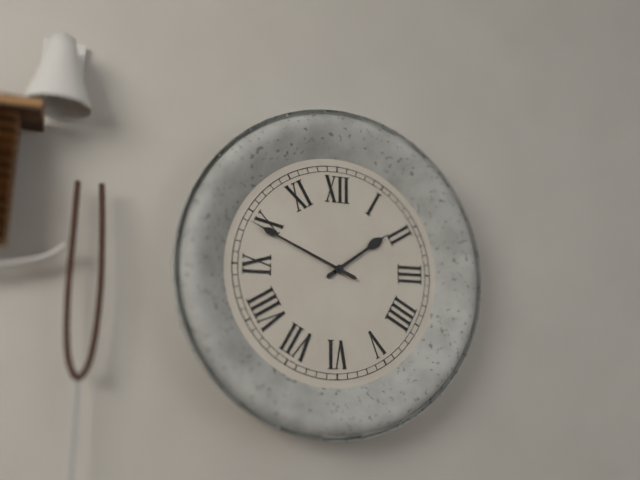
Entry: h=1 m=49
